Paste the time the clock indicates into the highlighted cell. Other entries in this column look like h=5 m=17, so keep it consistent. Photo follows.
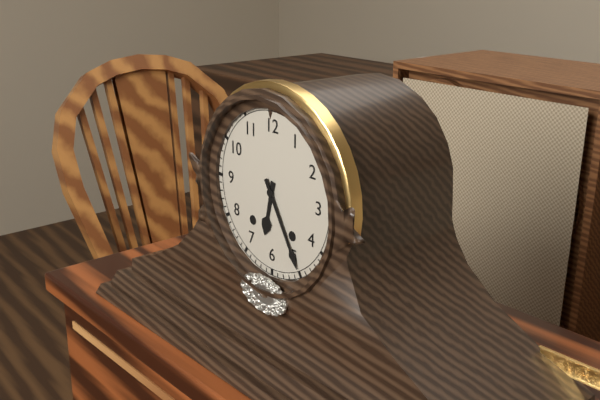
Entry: h=6 m=25
